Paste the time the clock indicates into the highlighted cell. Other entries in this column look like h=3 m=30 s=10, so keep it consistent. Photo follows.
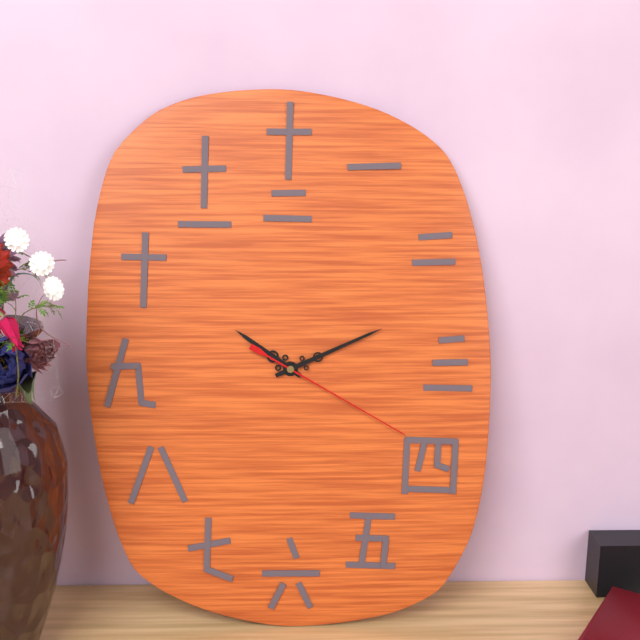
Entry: h=10 m=11 s=20
